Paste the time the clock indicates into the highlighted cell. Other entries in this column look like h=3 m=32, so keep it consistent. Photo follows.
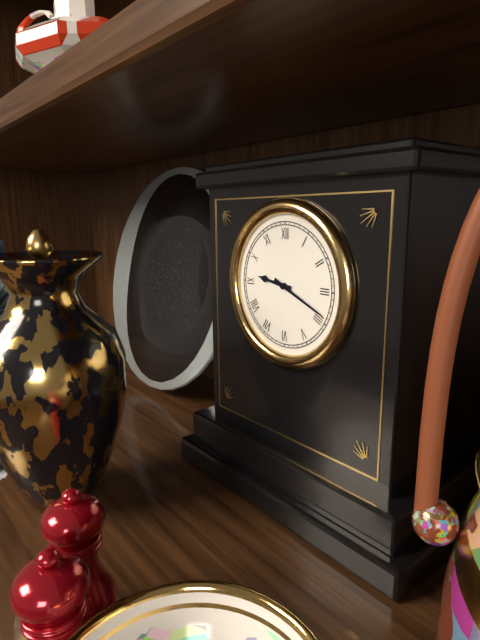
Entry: h=9 m=19
